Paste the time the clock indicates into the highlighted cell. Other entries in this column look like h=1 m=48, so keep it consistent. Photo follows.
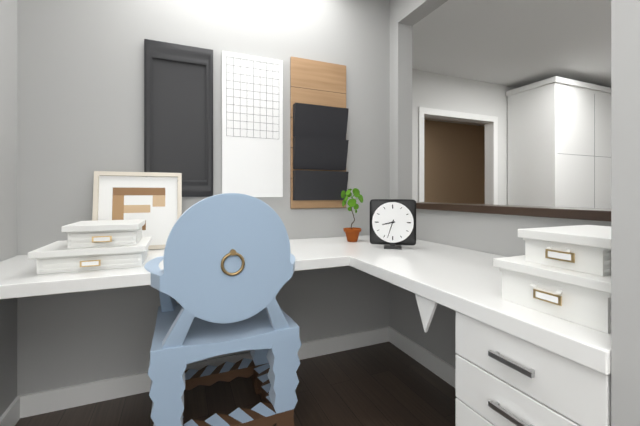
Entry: h=8 m=33
